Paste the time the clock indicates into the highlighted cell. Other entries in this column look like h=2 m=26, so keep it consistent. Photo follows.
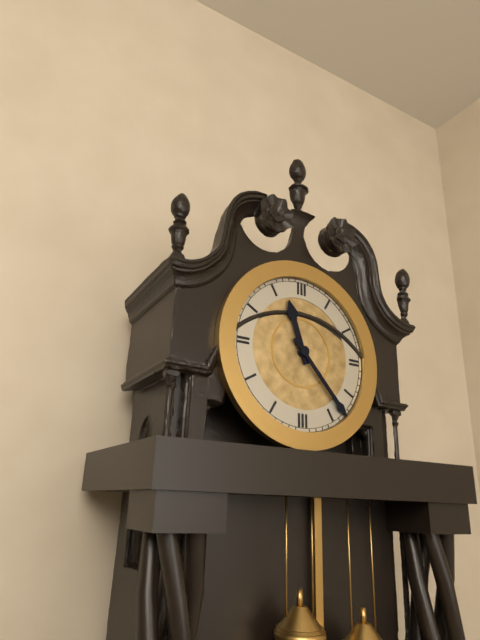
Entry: h=11 m=23
